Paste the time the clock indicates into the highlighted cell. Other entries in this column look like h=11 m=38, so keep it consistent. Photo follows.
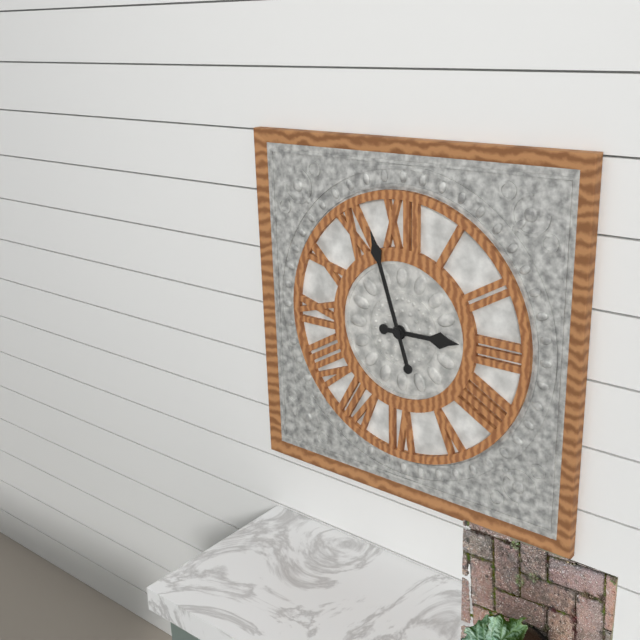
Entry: h=2 m=57
